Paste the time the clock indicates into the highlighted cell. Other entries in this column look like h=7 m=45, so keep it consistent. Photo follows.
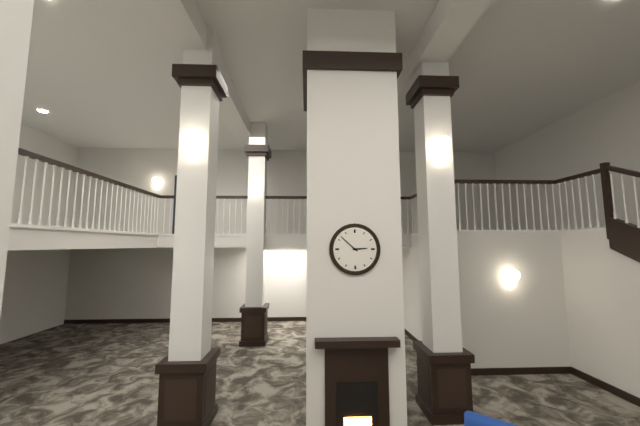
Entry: h=2 m=52
